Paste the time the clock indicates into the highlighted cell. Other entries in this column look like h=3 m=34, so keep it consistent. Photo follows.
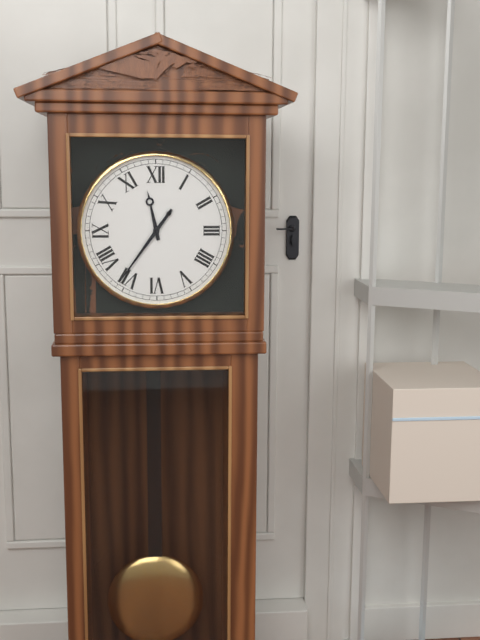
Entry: h=11 m=36
